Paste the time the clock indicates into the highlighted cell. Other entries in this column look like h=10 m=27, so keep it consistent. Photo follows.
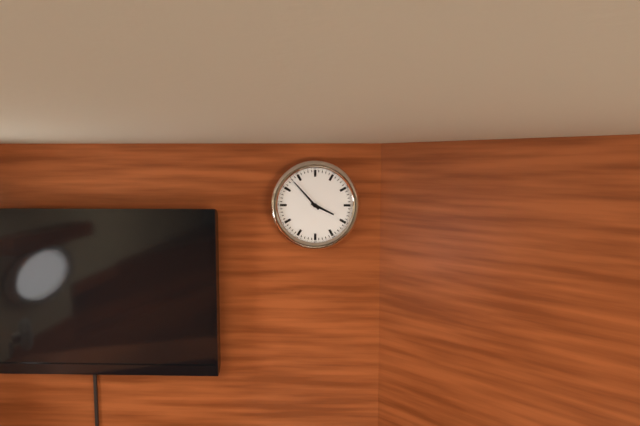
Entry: h=3 m=53
